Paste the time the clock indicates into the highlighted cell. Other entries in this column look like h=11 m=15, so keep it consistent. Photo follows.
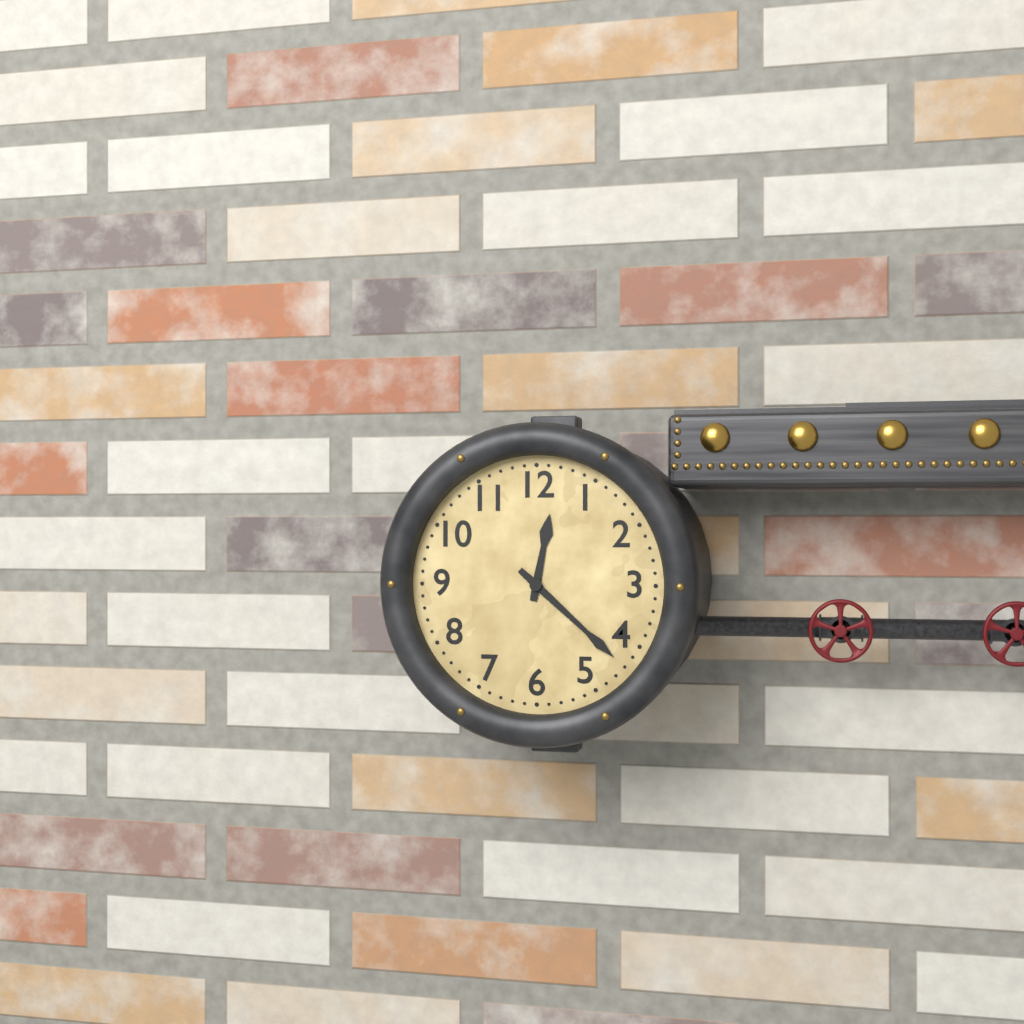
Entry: h=12 m=22
